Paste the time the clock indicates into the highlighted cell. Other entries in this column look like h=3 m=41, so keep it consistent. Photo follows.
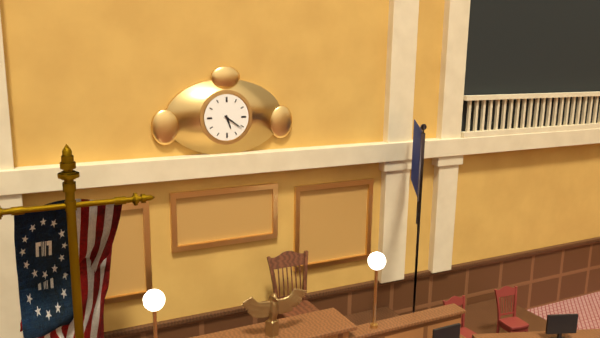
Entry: h=5 m=21
